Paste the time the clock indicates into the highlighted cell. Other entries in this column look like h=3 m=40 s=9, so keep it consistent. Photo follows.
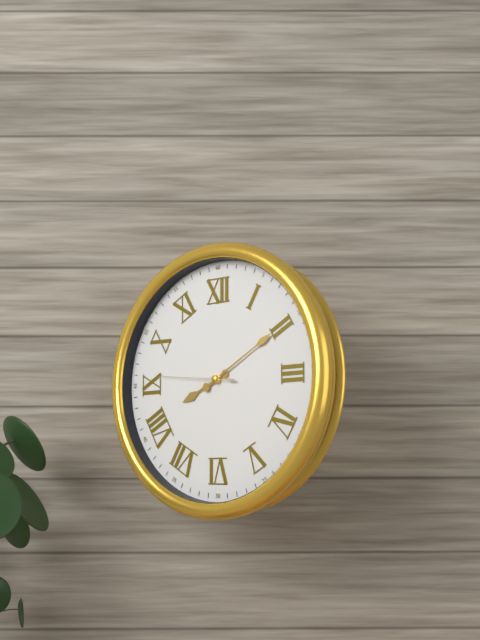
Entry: h=8 m=10 s=46
